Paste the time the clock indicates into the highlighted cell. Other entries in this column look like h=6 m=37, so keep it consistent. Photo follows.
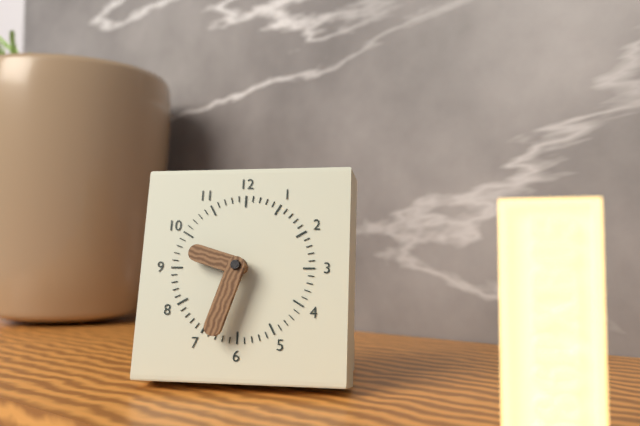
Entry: h=9 m=33
